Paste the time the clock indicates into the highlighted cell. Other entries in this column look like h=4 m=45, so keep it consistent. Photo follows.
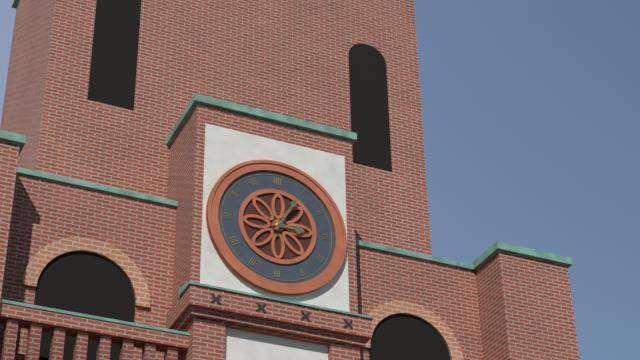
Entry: h=3 m=5
